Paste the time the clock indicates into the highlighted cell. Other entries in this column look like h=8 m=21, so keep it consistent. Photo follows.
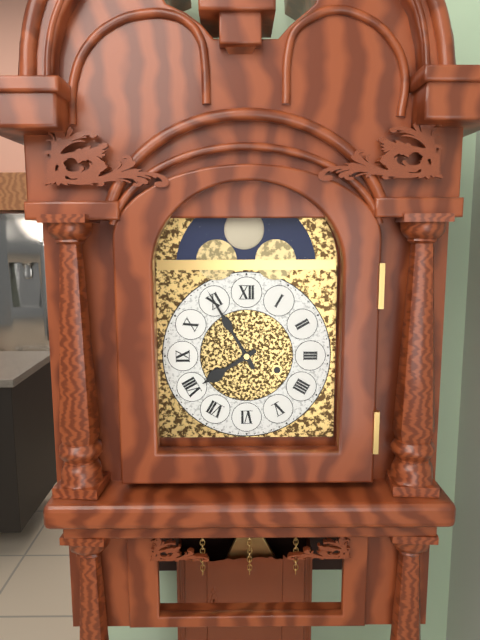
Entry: h=7 m=55
